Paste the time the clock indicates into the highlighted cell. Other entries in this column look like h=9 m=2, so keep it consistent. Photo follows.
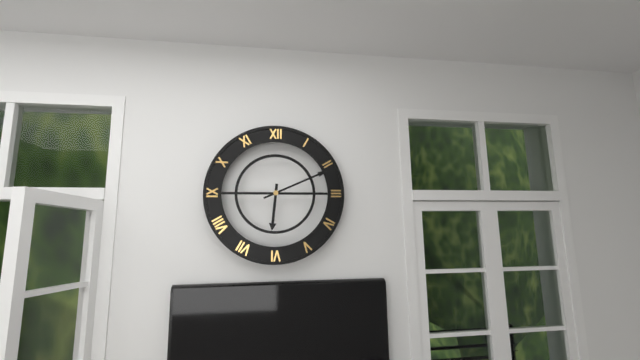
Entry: h=6 m=11
